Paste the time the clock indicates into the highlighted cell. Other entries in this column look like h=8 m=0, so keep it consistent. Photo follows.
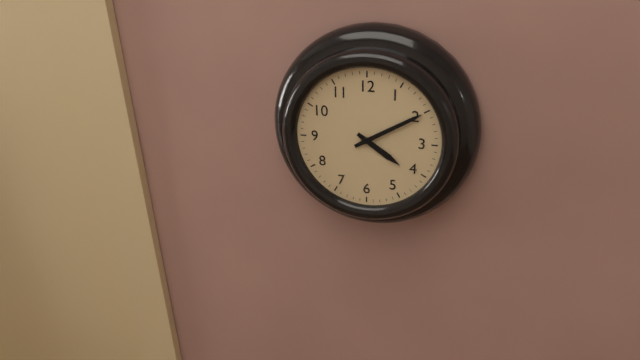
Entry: h=4 m=10
